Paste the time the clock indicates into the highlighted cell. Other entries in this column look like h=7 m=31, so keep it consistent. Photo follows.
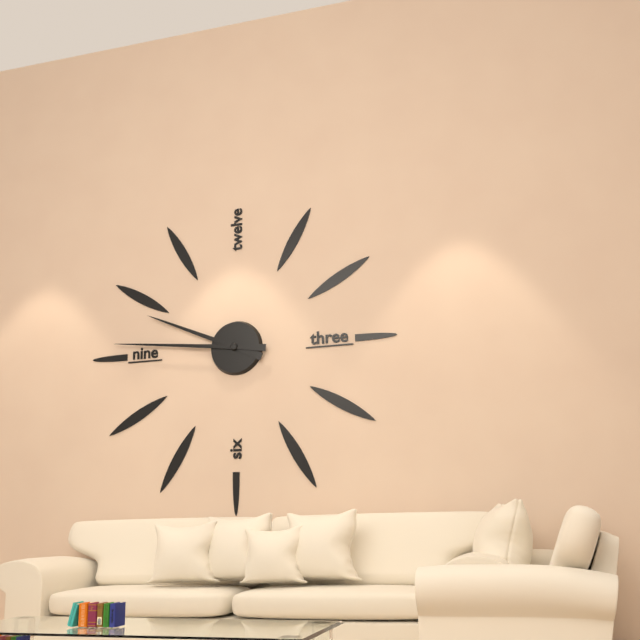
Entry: h=9 m=46
